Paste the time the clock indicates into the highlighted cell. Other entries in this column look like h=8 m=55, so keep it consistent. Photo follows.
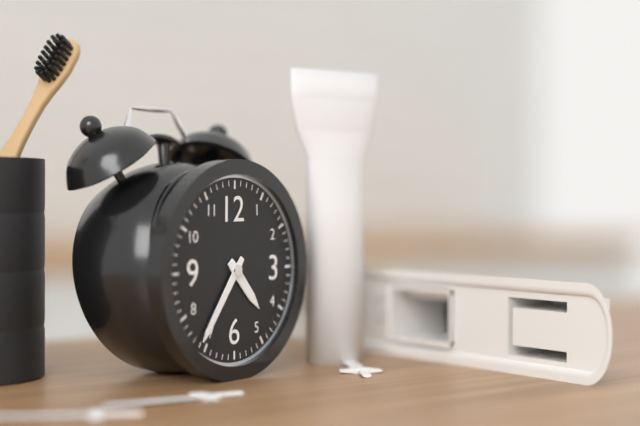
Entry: h=4 m=36
